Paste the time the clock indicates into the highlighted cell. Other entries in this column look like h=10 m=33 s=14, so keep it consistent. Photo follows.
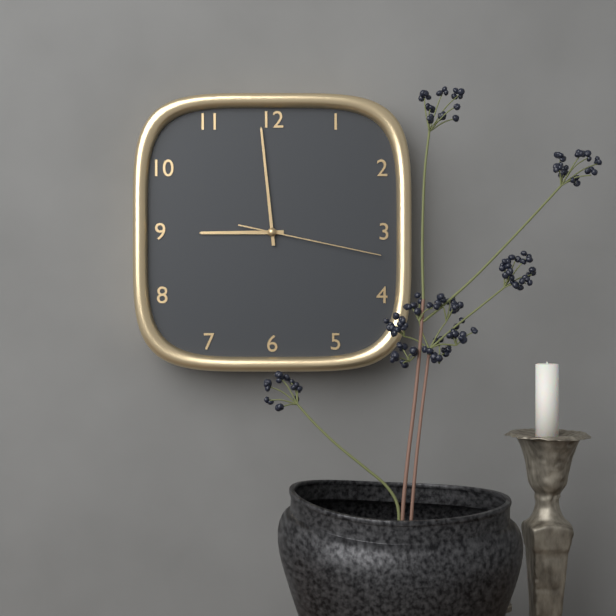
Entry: h=8 m=59 s=17
